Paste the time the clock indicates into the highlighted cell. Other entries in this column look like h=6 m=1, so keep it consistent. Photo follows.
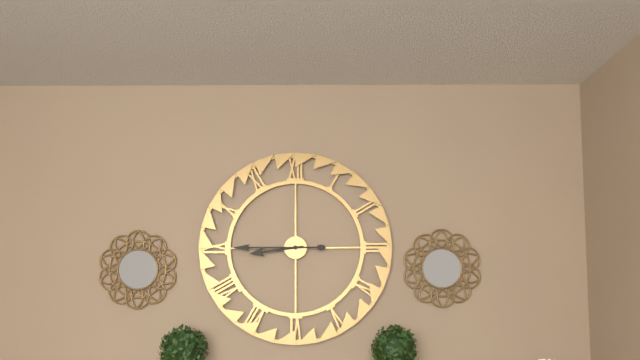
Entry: h=8 m=45
